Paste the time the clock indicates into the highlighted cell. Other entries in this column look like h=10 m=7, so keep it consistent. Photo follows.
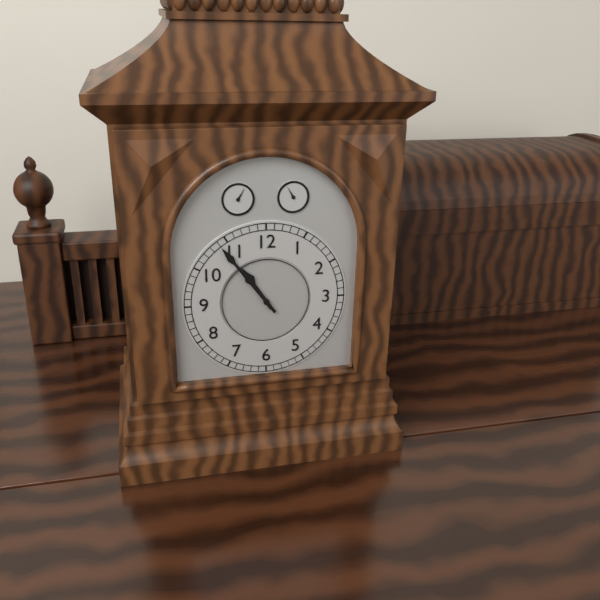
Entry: h=10 m=54
